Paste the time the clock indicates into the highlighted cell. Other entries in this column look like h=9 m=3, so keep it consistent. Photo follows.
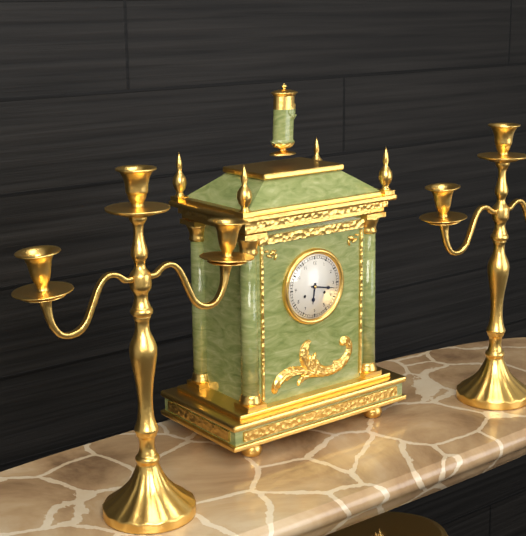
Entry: h=6 m=17
